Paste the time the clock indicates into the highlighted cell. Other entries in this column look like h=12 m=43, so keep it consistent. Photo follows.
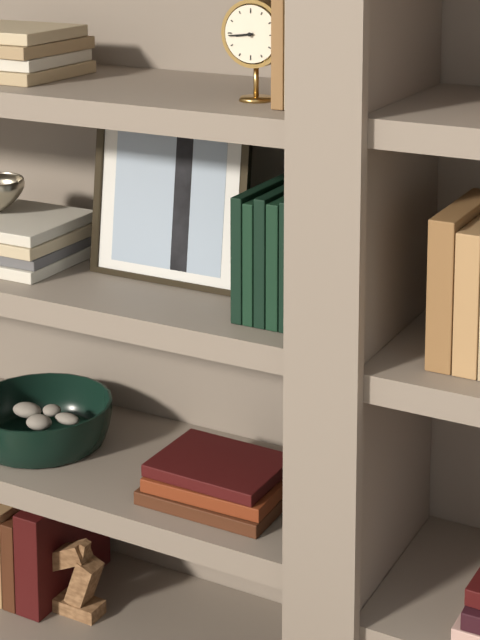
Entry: h=8 m=44
